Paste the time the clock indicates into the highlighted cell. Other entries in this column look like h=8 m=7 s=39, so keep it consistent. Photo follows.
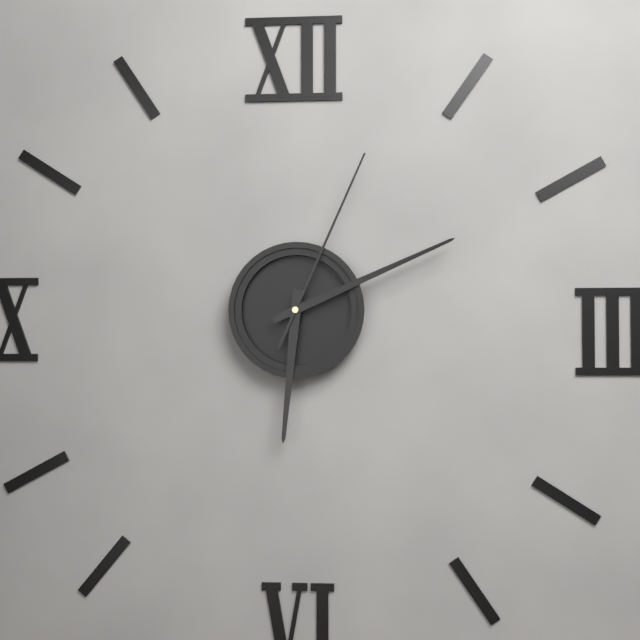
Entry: h=6 m=11 s=4
